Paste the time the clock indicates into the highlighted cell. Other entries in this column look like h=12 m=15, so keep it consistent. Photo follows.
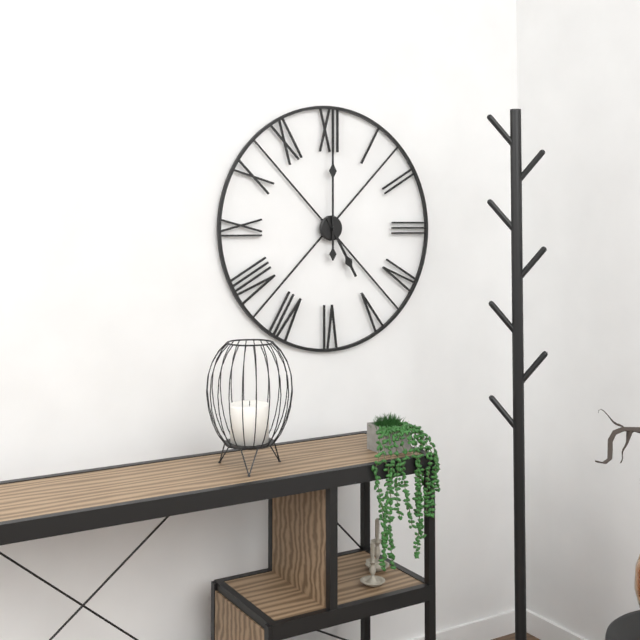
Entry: h=5 m=0
